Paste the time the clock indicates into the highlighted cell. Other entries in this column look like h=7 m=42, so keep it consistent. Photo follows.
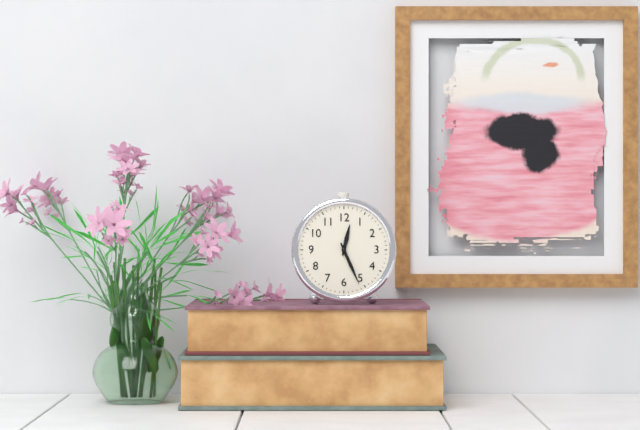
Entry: h=12 m=26
